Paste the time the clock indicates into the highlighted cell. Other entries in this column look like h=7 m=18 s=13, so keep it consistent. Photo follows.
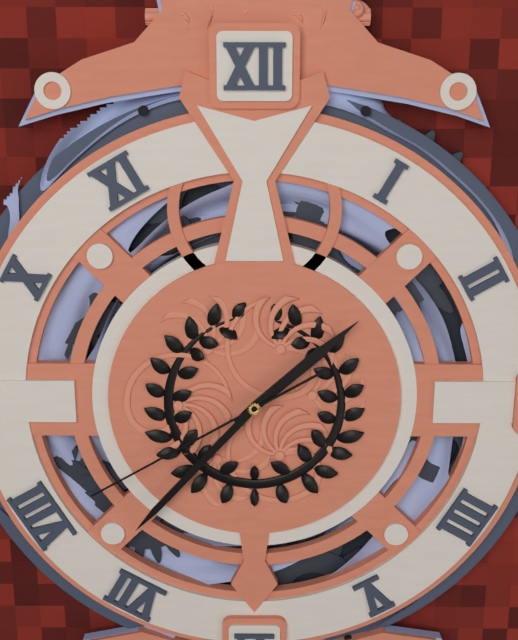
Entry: h=1 m=37 s=40
